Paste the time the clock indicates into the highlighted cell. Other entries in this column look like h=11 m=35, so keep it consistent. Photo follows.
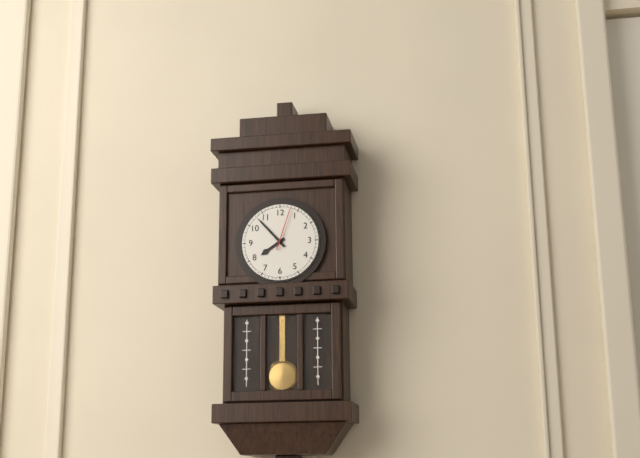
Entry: h=7 m=53
